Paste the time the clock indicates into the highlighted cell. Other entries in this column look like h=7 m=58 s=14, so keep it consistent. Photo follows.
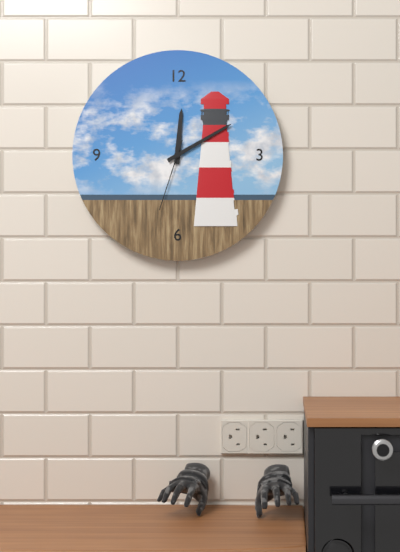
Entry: h=12 m=10 s=33
